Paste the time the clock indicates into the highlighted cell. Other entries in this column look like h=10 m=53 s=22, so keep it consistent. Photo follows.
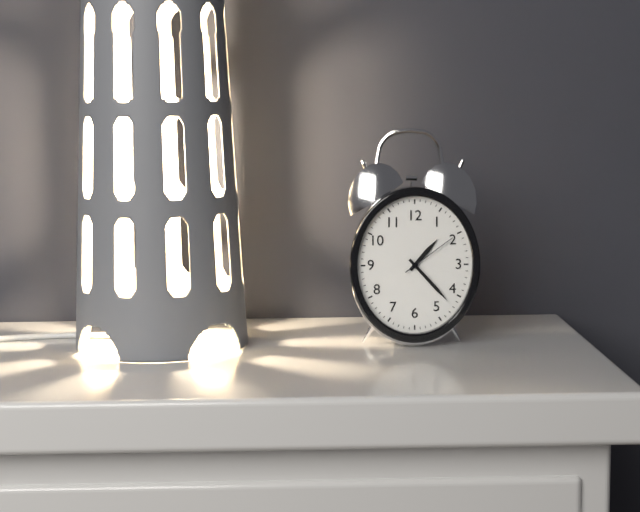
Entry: h=1 m=23 s=9
